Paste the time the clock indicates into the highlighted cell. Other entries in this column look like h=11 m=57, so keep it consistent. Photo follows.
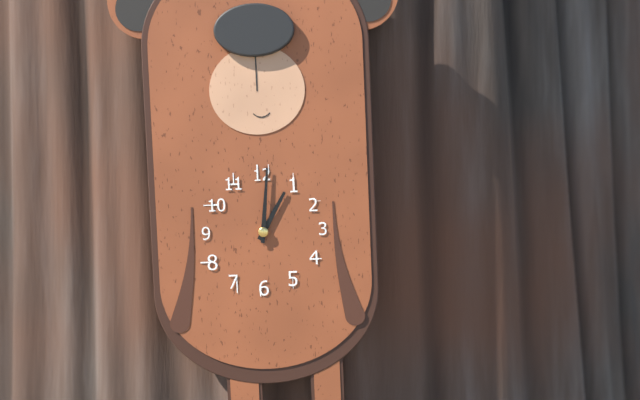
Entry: h=1 m=1
